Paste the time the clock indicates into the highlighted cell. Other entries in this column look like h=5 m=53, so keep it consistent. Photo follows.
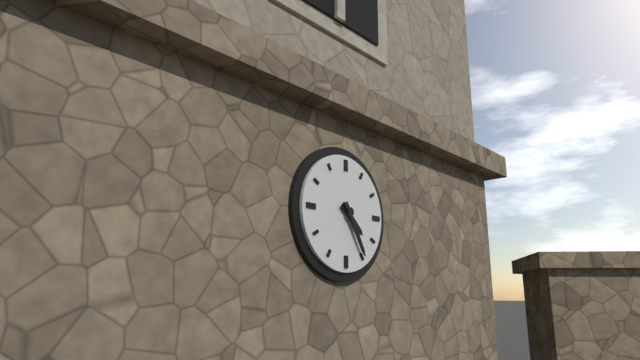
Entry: h=4 m=25
